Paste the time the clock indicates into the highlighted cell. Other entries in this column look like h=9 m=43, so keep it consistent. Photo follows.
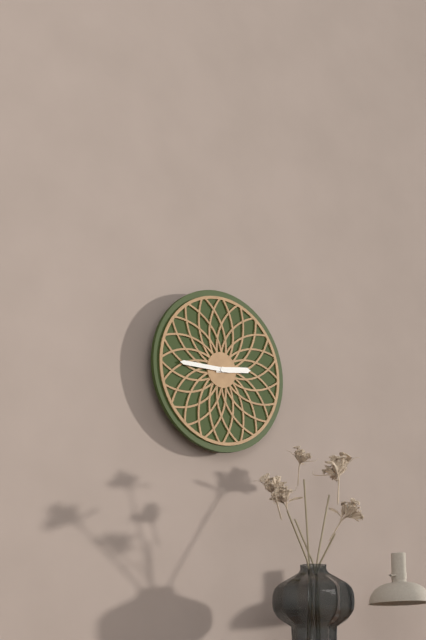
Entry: h=2 m=45
